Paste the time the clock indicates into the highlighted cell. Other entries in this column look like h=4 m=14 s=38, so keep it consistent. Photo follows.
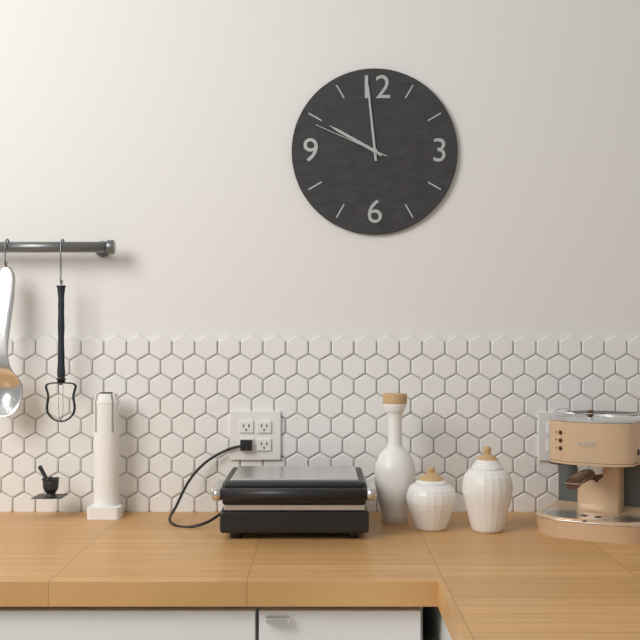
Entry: h=9 m=59 s=49
